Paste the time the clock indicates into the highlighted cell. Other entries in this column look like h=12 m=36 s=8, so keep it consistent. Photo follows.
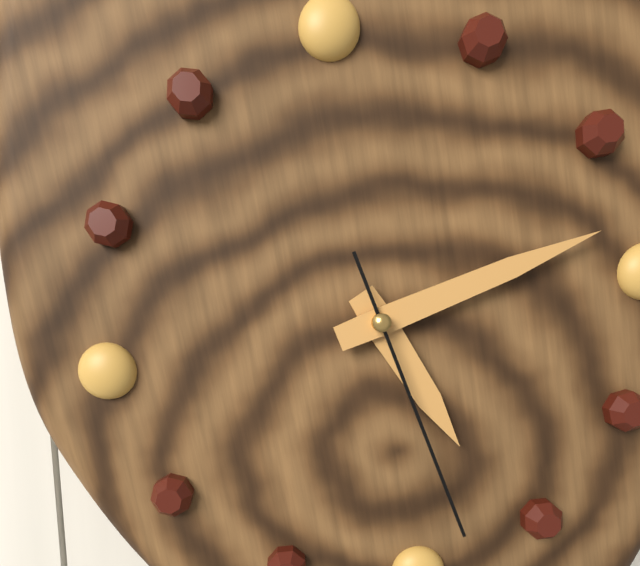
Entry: h=5 m=13 s=28
